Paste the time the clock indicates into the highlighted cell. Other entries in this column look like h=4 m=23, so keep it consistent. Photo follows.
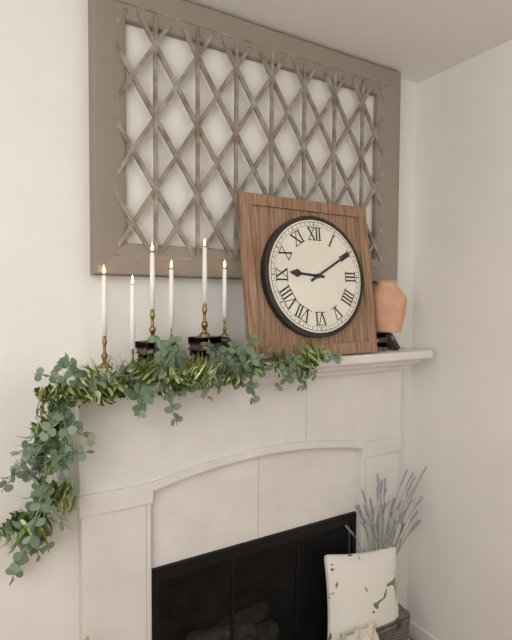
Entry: h=9 m=10
